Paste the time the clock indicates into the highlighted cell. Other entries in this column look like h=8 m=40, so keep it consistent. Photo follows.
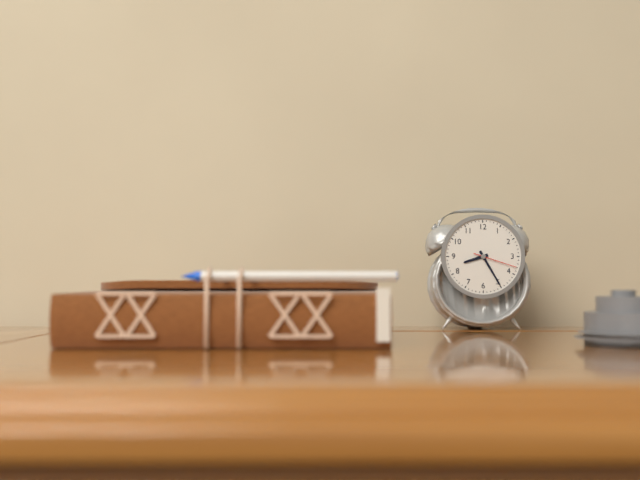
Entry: h=8 m=25
